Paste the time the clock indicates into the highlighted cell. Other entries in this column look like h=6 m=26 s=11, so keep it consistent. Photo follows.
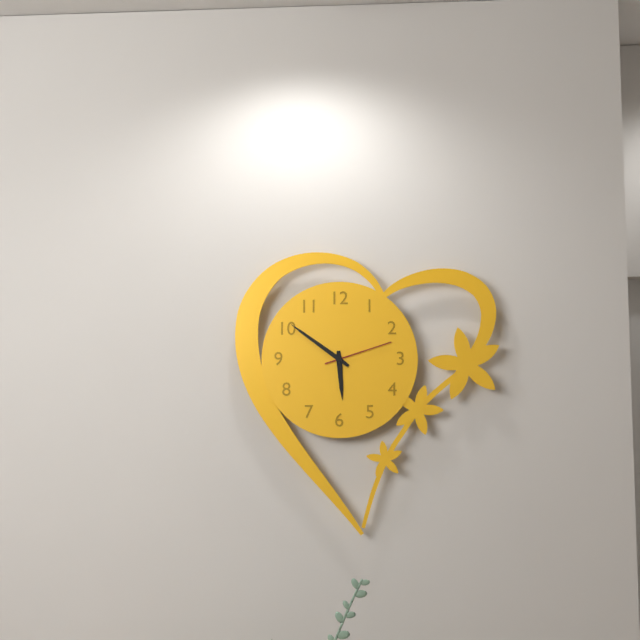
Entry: h=5 m=51 s=12
